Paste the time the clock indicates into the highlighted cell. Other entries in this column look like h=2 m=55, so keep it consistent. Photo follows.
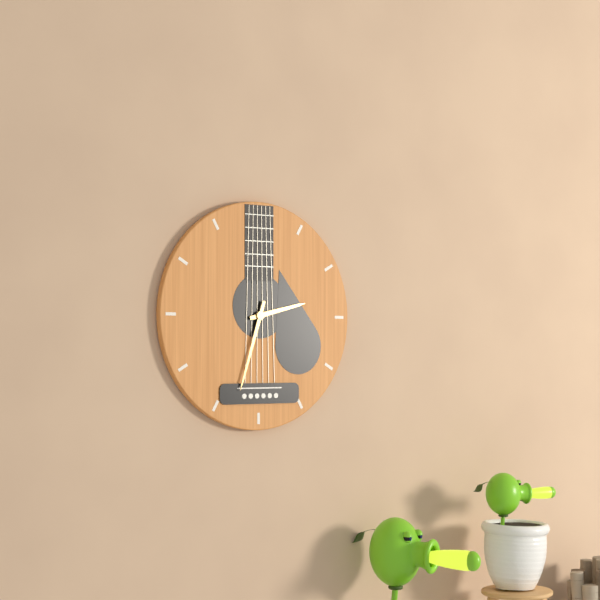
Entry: h=2 m=33
